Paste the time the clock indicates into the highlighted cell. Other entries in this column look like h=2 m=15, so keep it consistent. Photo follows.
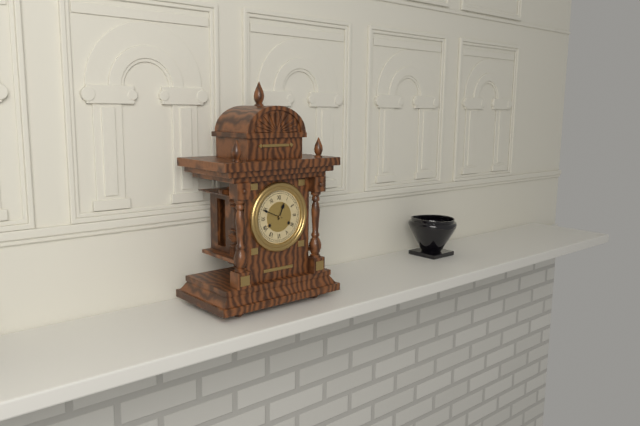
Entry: h=12 m=49
